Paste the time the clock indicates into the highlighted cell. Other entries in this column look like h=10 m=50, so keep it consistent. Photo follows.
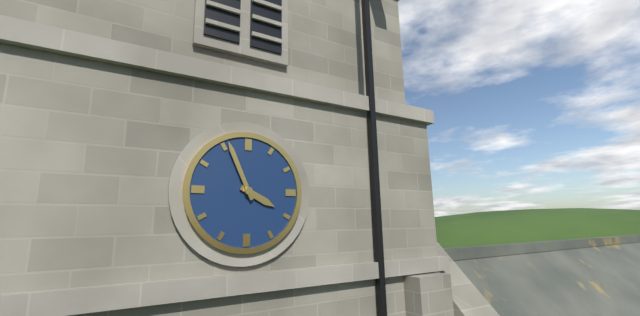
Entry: h=3 m=56
